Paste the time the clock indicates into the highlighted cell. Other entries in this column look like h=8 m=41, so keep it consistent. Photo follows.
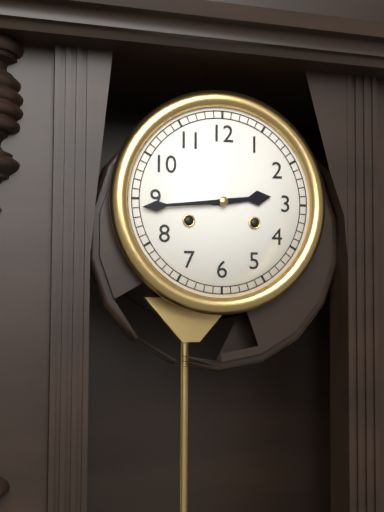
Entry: h=2 m=44
